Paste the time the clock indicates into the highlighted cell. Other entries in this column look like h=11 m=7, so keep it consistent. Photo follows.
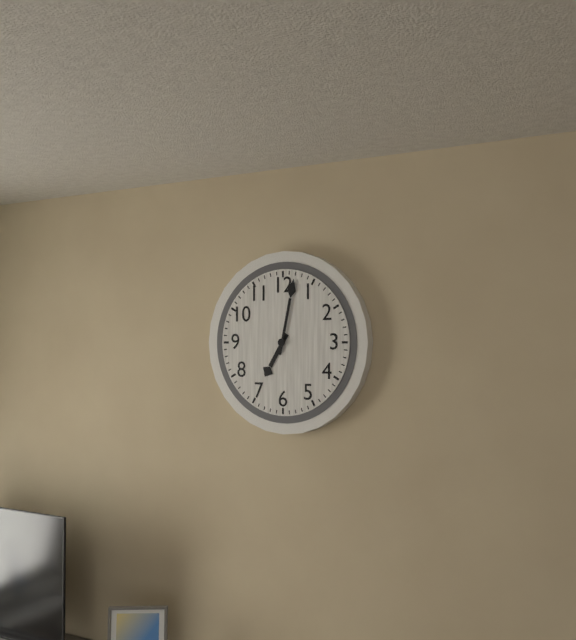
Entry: h=7 m=2
